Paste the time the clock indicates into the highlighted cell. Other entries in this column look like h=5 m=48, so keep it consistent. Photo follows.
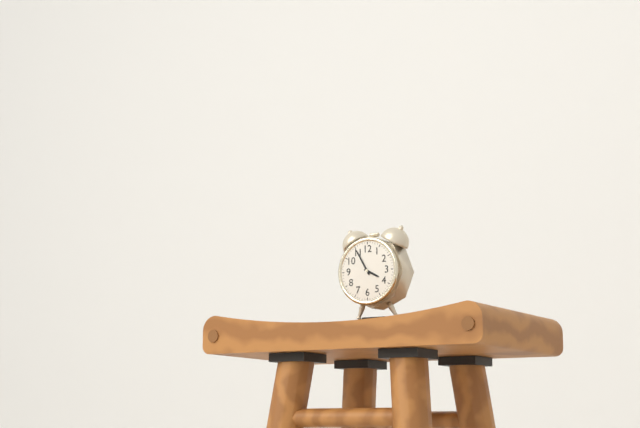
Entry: h=3 m=55
